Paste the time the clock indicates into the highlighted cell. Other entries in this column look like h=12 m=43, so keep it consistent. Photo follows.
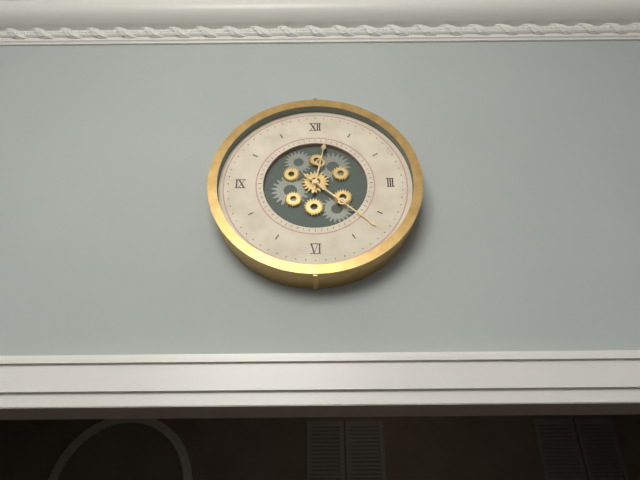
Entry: h=12 m=22
